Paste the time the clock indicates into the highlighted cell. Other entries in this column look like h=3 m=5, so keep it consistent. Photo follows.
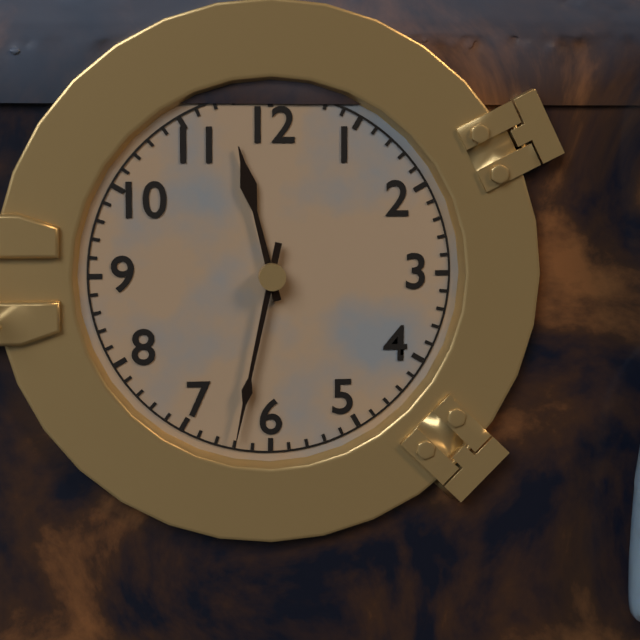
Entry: h=11 m=32
